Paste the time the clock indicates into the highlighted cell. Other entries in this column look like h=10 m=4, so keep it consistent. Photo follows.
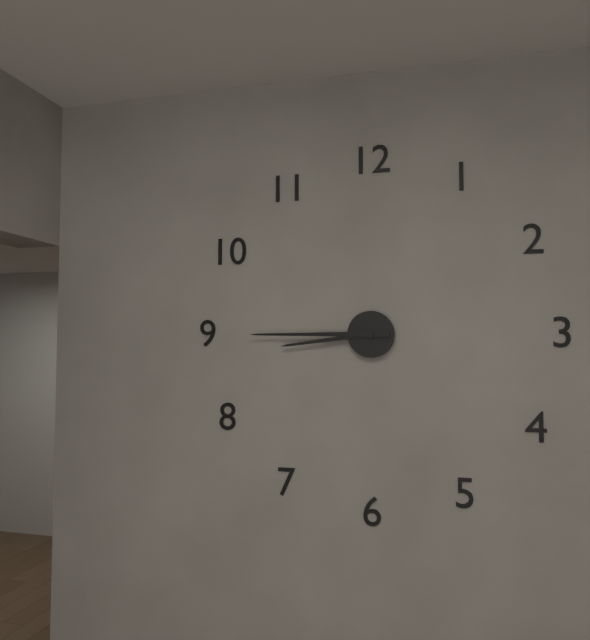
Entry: h=8 m=45
